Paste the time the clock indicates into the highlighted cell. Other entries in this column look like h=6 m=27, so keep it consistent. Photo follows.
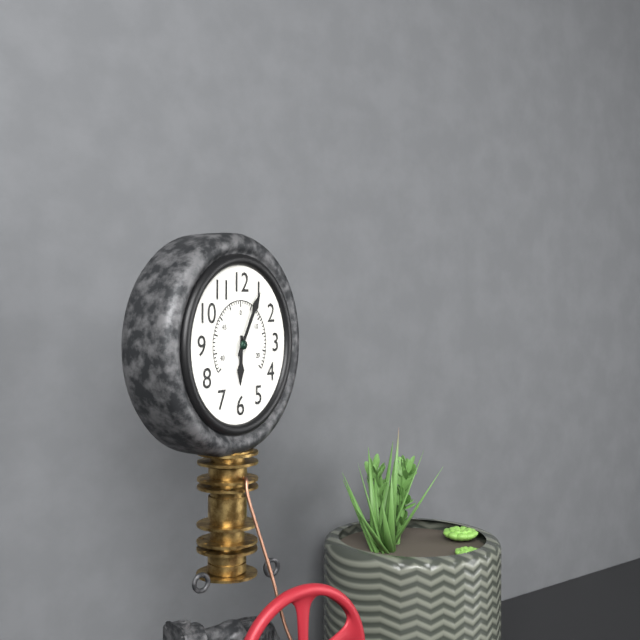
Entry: h=6 m=5
